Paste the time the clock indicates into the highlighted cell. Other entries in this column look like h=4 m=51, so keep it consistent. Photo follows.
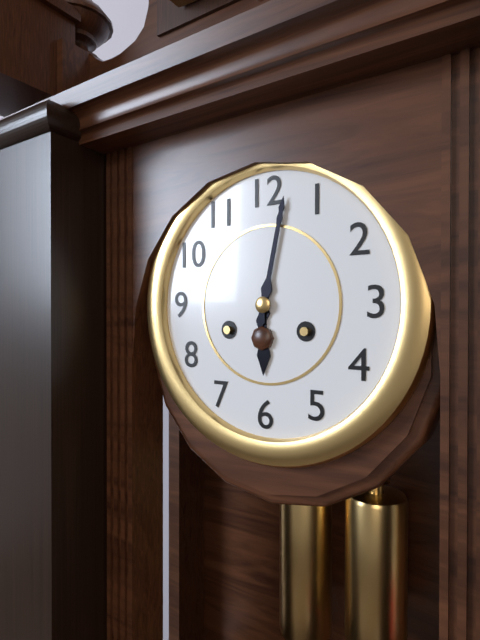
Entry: h=6 m=2
